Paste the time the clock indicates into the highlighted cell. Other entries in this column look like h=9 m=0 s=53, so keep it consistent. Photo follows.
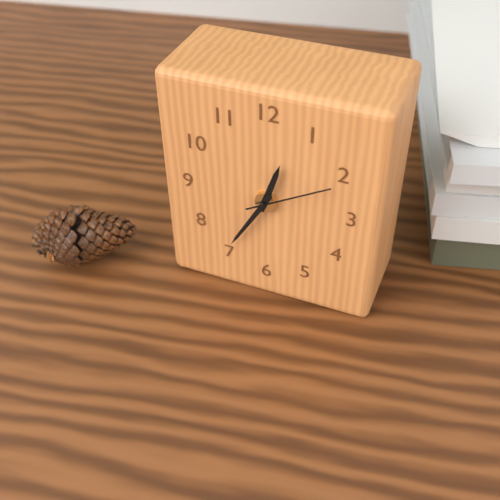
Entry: h=12 m=35 s=10
